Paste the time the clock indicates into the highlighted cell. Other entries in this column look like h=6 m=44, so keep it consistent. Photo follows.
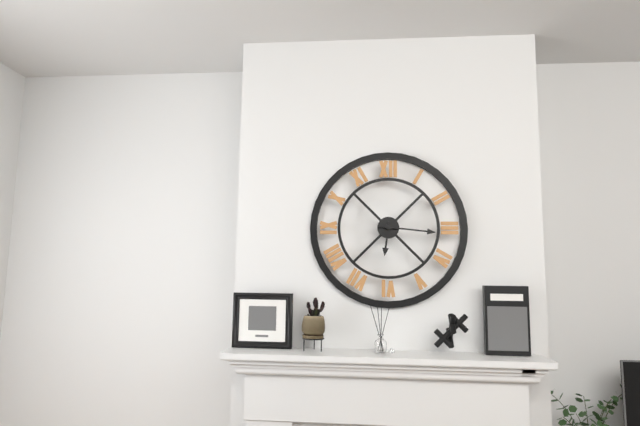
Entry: h=6 m=16
